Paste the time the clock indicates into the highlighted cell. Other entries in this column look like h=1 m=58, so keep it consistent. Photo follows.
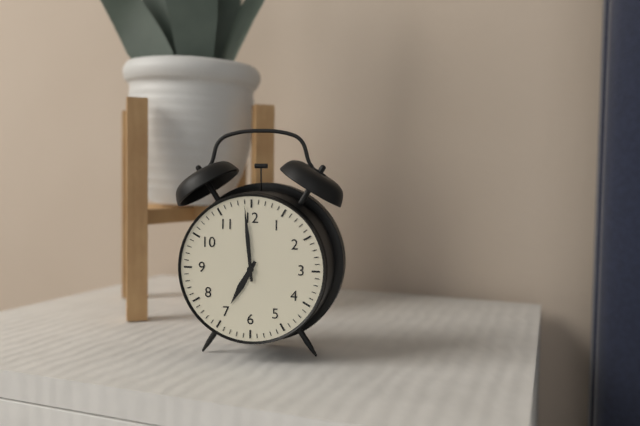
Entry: h=6 m=59
